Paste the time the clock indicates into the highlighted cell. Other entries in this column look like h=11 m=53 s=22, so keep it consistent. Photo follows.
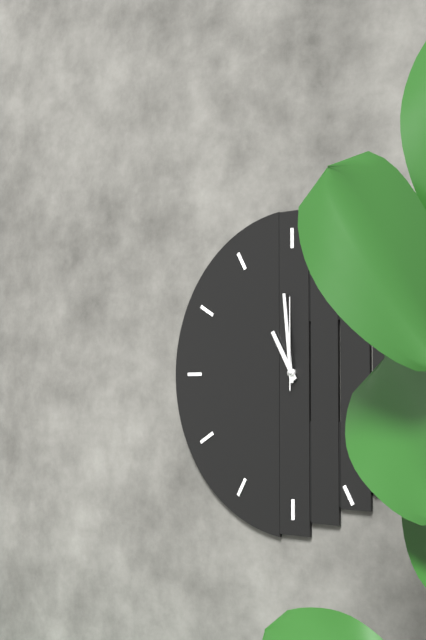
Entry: h=10 m=59 s=0
